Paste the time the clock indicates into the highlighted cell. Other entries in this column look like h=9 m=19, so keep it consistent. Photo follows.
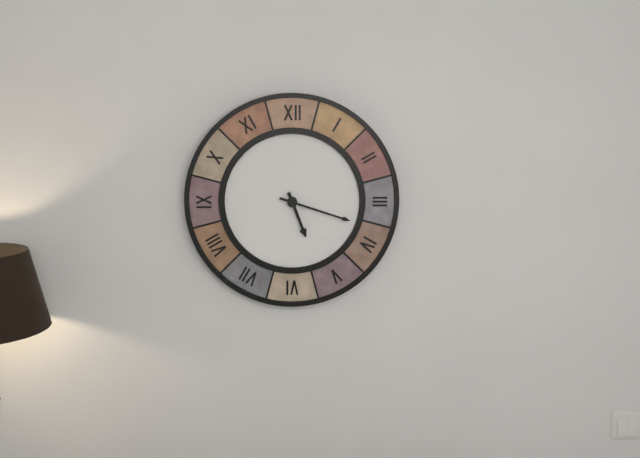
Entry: h=5 m=18
